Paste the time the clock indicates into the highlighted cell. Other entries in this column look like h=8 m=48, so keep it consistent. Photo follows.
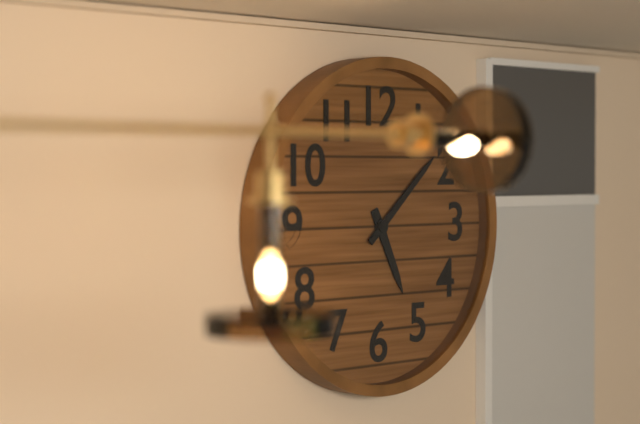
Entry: h=5 m=8
